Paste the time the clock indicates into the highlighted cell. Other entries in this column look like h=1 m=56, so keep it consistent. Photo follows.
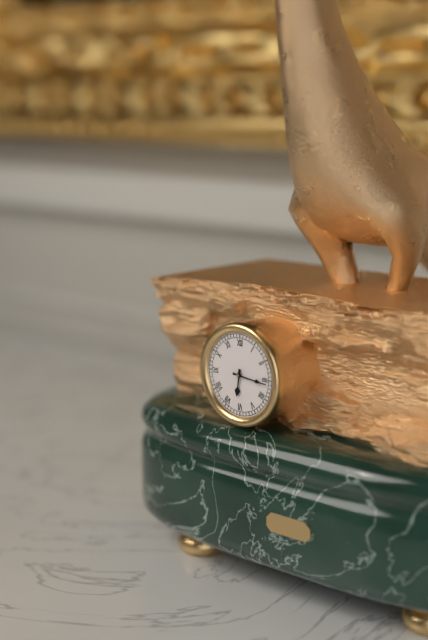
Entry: h=6 m=16
